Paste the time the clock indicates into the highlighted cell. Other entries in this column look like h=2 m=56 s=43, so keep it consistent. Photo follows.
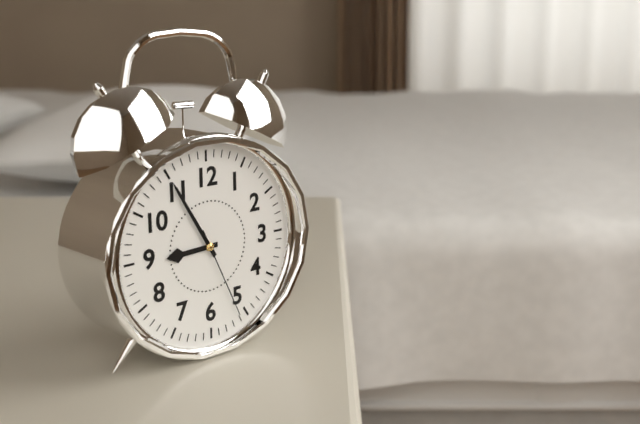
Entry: h=8 m=55 s=26
